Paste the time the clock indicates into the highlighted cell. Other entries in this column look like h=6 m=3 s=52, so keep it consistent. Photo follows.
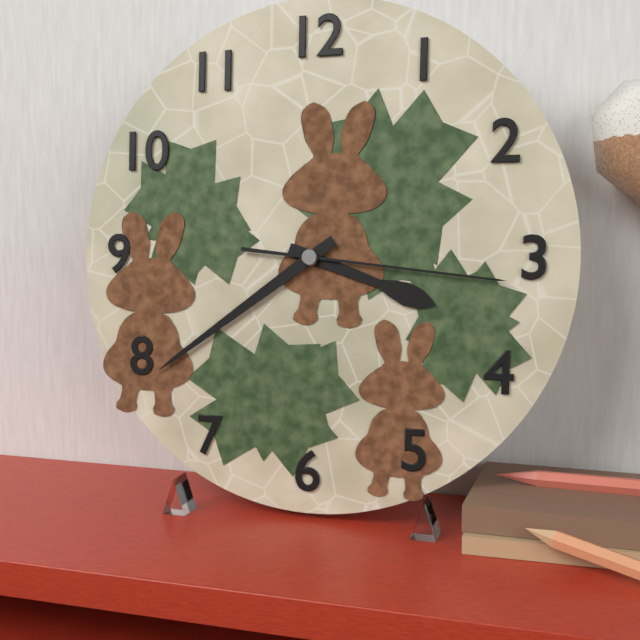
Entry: h=3 m=39 s=16
